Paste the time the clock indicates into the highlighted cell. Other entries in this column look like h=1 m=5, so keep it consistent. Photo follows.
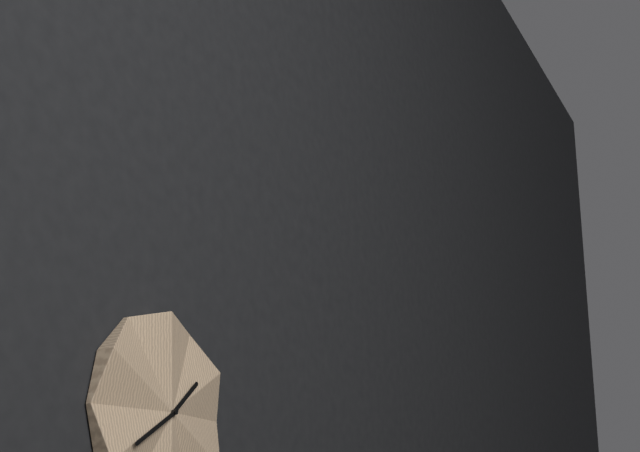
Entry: h=1 m=40
